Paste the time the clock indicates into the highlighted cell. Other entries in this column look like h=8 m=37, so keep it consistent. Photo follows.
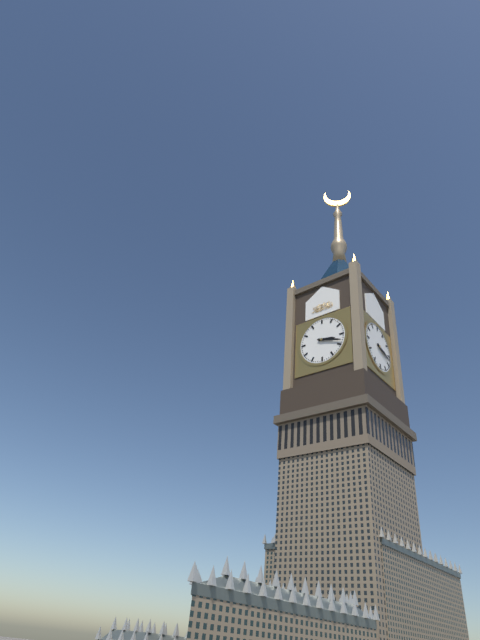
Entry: h=3 m=18
